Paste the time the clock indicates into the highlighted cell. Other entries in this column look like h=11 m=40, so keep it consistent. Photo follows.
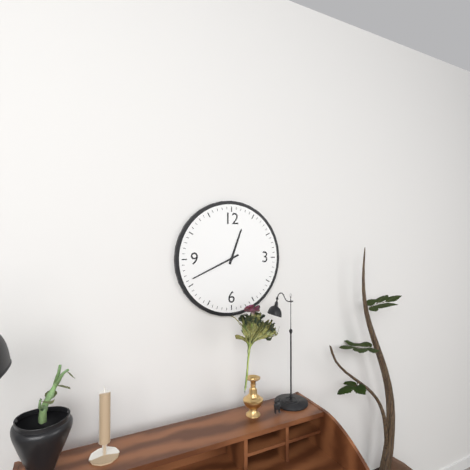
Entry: h=12 m=41
